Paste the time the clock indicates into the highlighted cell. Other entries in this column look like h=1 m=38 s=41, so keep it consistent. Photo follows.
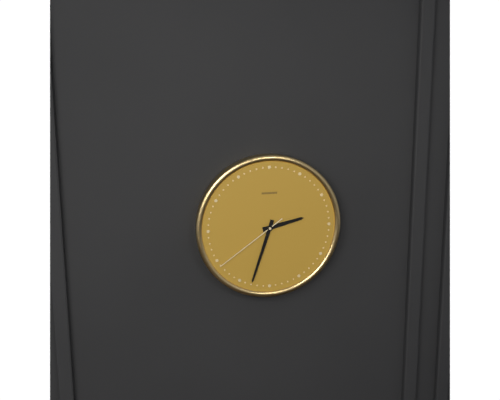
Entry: h=2 m=33 s=39
